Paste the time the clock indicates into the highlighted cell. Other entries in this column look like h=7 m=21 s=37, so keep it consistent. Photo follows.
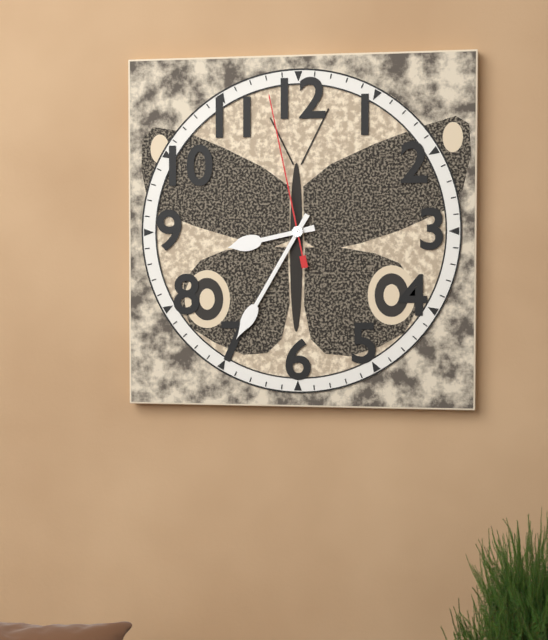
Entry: h=8 m=35 s=58
